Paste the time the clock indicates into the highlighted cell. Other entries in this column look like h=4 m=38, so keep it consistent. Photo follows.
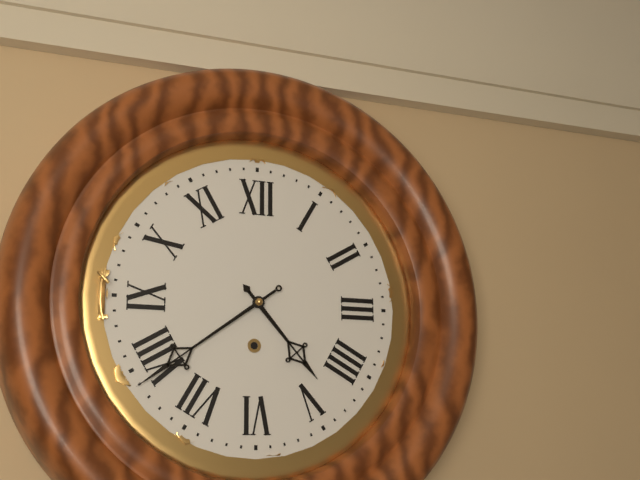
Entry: h=4 m=39
